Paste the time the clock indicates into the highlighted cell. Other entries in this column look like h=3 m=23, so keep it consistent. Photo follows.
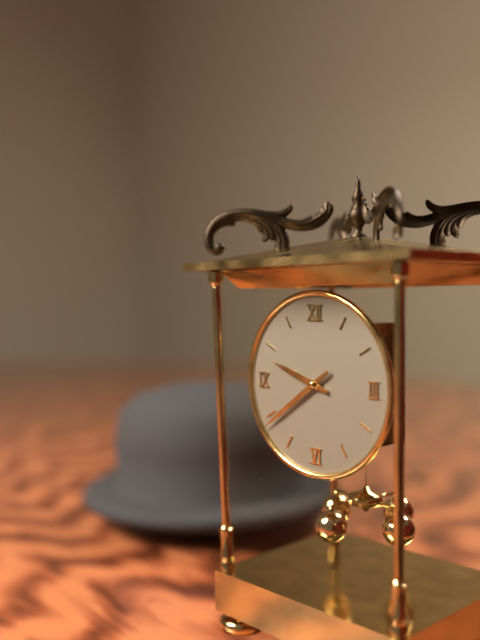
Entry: h=9 m=39
